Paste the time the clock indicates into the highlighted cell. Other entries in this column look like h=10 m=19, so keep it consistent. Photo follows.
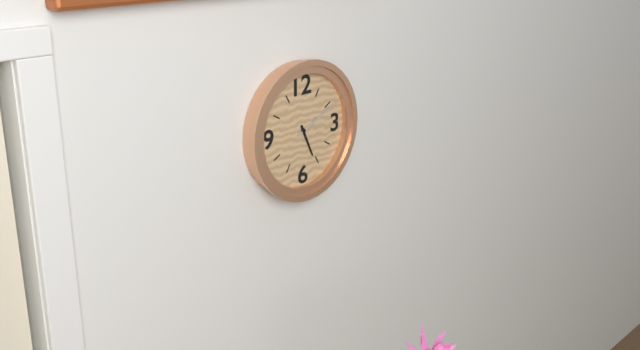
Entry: h=5 m=11
